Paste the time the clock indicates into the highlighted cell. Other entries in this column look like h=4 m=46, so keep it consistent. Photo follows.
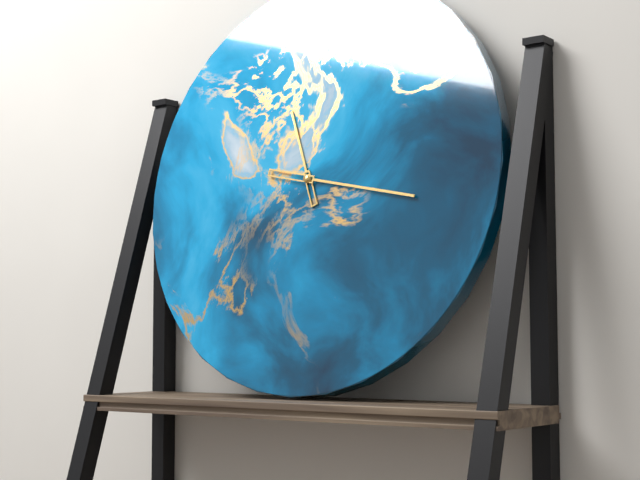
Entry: h=11 m=17
